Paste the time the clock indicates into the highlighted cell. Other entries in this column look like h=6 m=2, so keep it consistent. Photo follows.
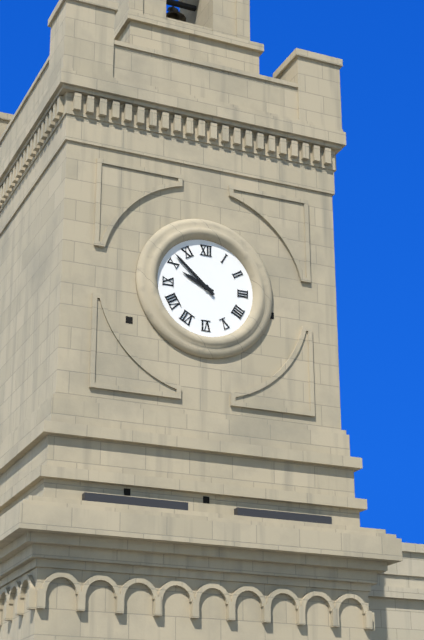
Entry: h=9 m=52
